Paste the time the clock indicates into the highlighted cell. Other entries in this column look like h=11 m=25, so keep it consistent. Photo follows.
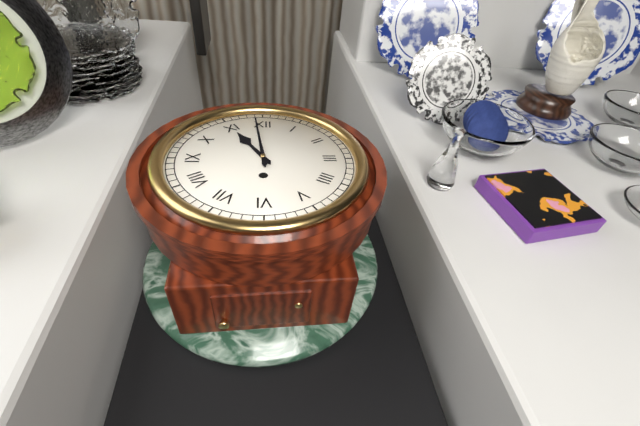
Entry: h=10 m=59
